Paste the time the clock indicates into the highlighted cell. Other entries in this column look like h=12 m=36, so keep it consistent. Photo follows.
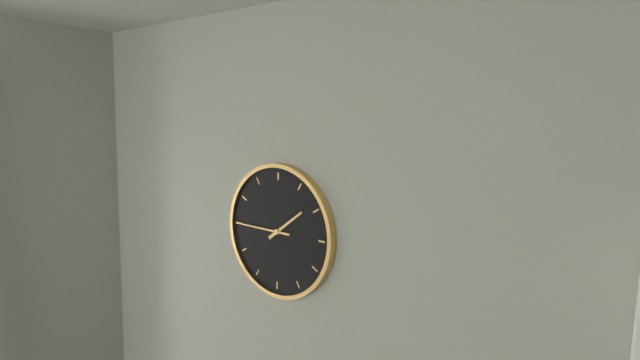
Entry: h=1 m=45
